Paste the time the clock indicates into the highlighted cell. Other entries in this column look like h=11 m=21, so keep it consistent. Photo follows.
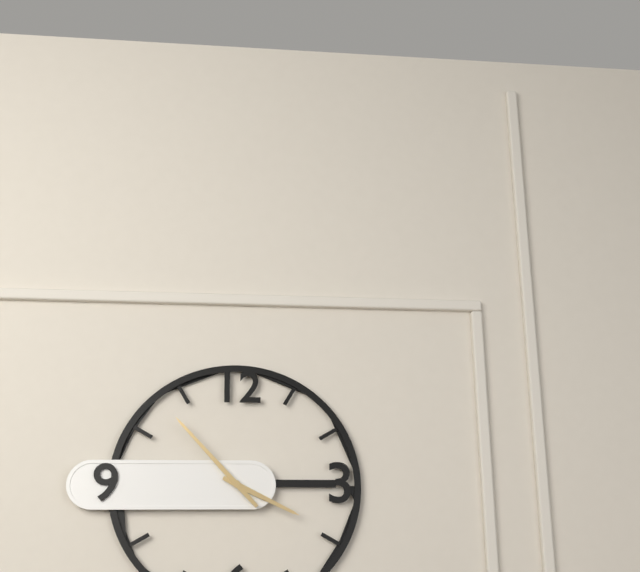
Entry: h=3 m=53
